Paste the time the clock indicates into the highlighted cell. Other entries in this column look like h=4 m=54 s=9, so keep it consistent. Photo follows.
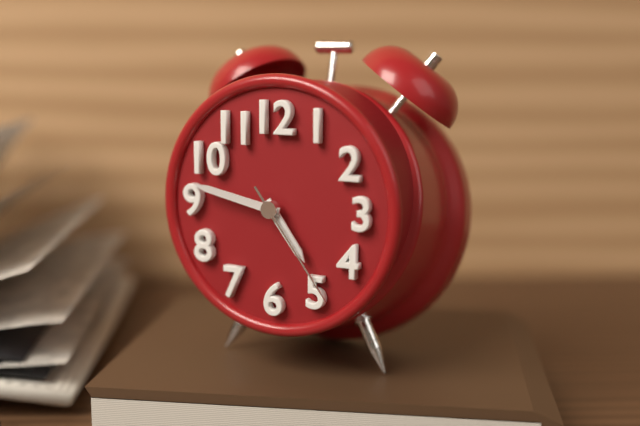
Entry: h=4 m=47 s=24
